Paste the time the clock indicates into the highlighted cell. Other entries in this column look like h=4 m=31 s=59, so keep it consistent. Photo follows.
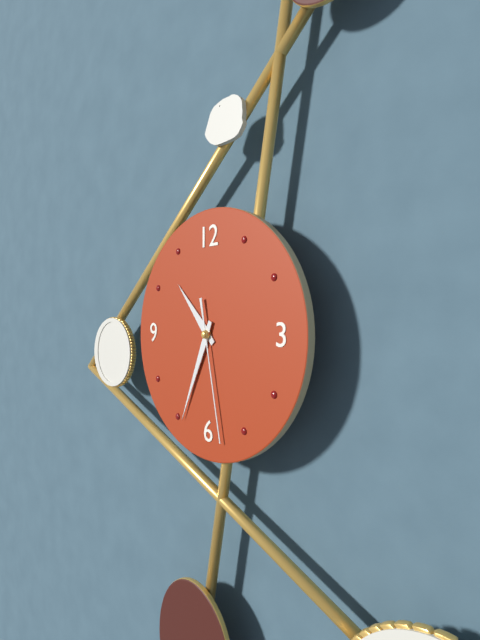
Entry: h=10 m=34 s=28
